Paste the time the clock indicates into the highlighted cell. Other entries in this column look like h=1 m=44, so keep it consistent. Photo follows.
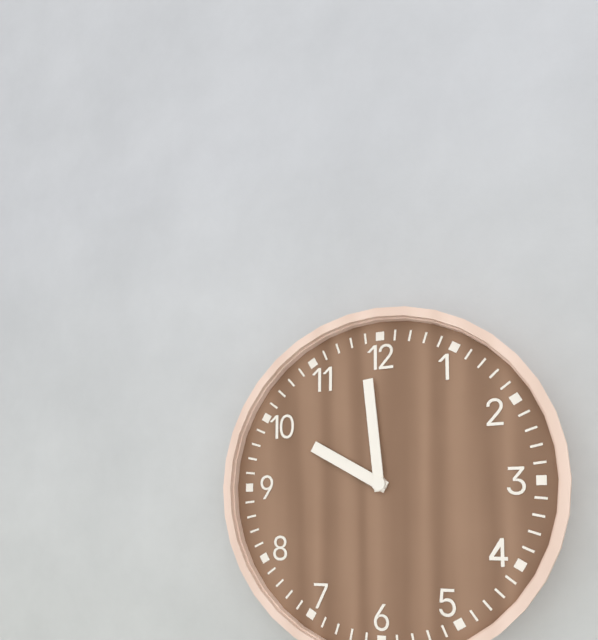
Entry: h=9 m=59
